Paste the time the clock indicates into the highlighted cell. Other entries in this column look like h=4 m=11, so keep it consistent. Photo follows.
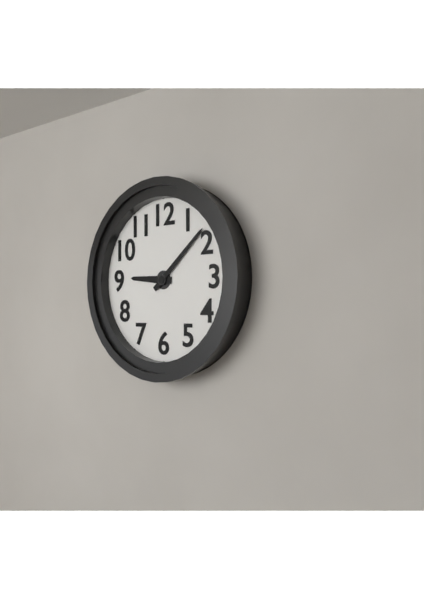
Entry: h=9 m=8
